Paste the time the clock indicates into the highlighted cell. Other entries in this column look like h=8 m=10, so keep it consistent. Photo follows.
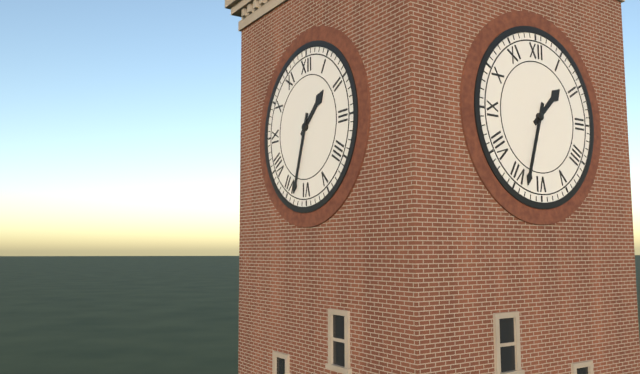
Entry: h=1 m=33
